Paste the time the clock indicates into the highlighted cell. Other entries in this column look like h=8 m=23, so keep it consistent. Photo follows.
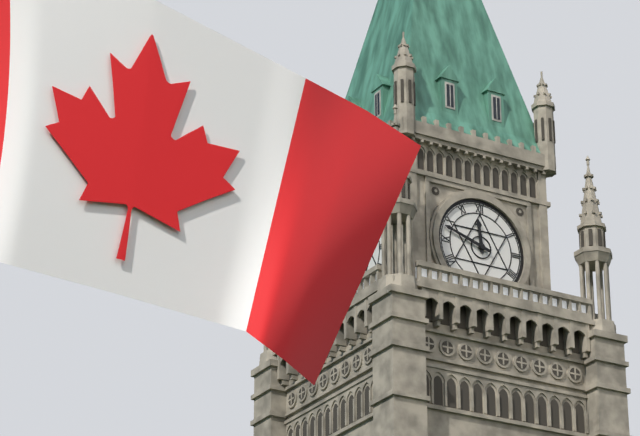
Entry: h=11 m=48
